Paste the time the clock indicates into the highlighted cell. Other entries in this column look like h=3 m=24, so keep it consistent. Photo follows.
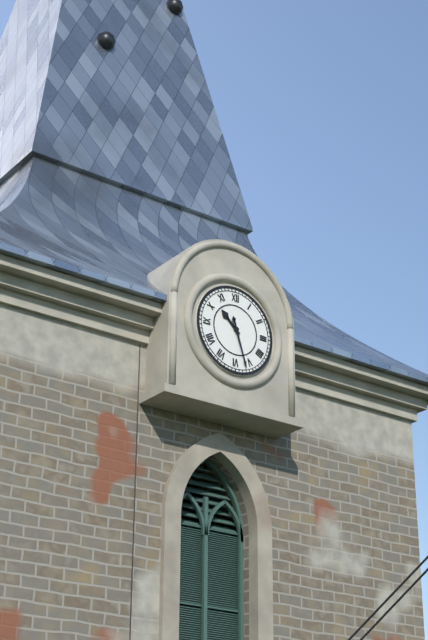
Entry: h=10 m=27
